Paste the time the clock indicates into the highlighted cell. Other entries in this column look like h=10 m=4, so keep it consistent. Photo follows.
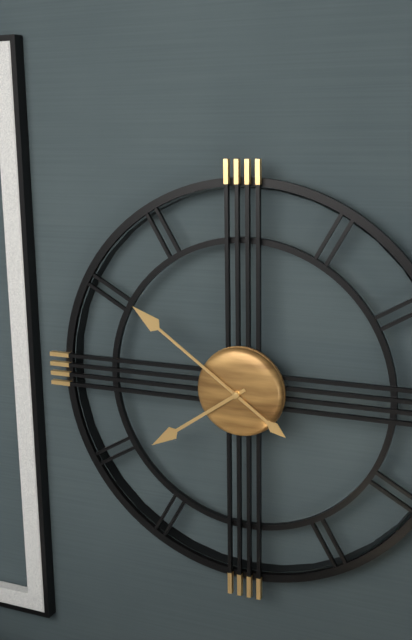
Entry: h=7 m=51
